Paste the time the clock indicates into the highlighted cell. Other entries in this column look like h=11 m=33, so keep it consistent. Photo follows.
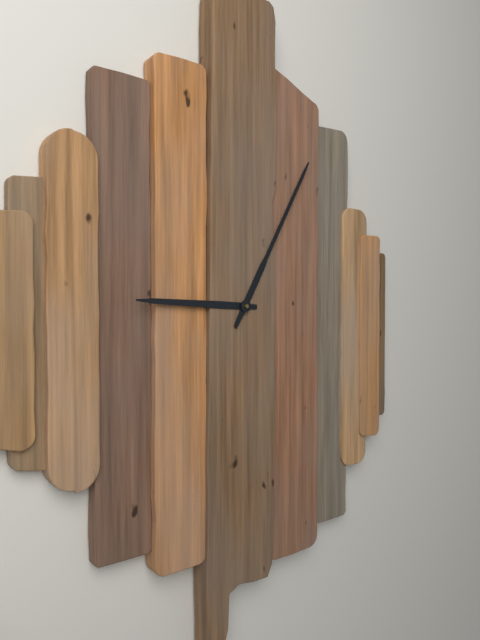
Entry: h=9 m=5
